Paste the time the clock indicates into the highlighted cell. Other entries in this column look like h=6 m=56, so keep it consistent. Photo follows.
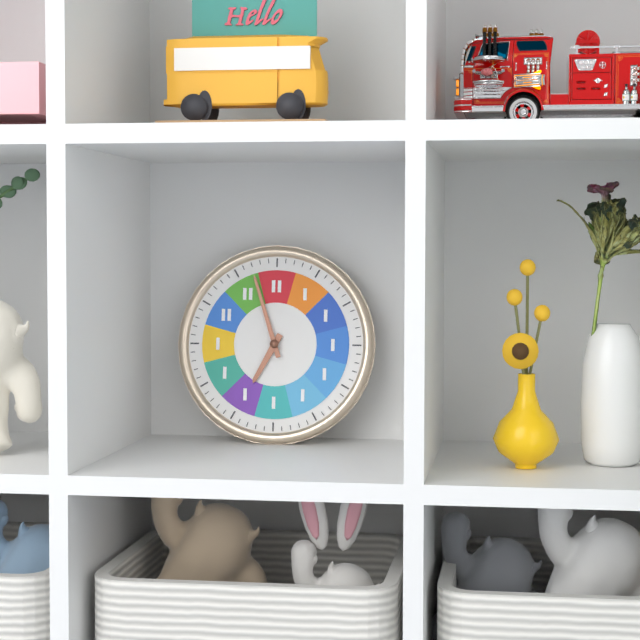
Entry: h=6 m=57
